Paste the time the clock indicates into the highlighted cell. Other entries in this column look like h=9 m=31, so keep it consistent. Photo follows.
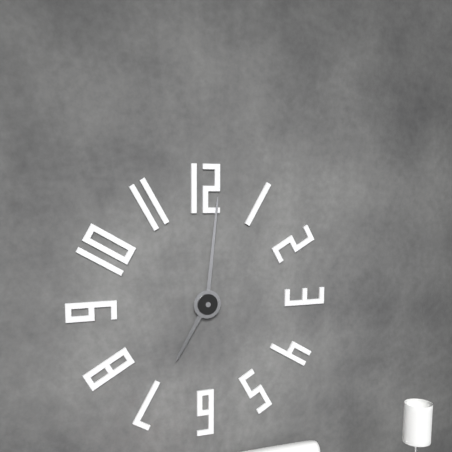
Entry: h=7 m=1
